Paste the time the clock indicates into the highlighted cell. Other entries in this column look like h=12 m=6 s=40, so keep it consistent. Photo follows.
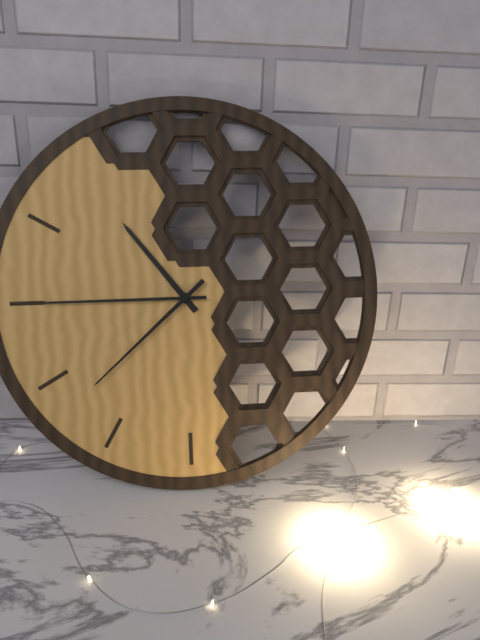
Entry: h=10 m=45 s=38
